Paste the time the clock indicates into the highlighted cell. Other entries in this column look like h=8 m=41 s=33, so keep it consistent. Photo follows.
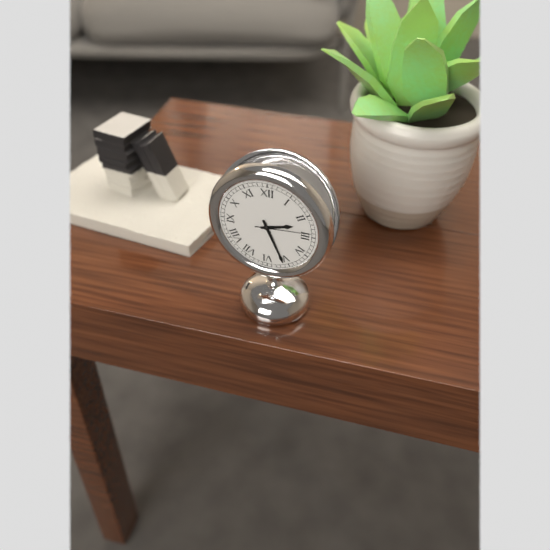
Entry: h=2 m=26 s=14
